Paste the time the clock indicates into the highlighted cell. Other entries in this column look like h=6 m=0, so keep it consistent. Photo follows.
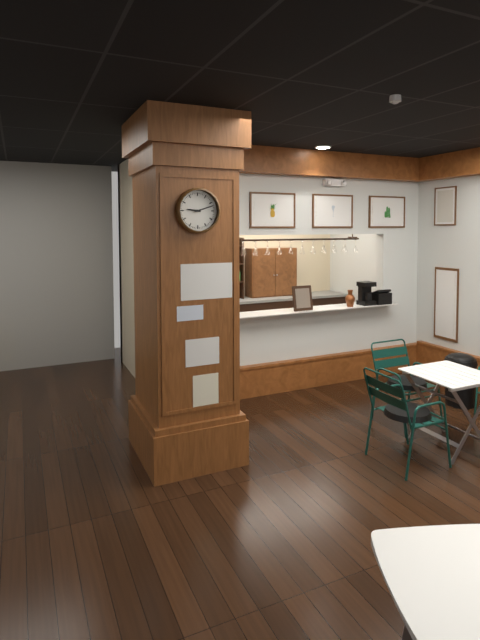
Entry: h=9 m=12
